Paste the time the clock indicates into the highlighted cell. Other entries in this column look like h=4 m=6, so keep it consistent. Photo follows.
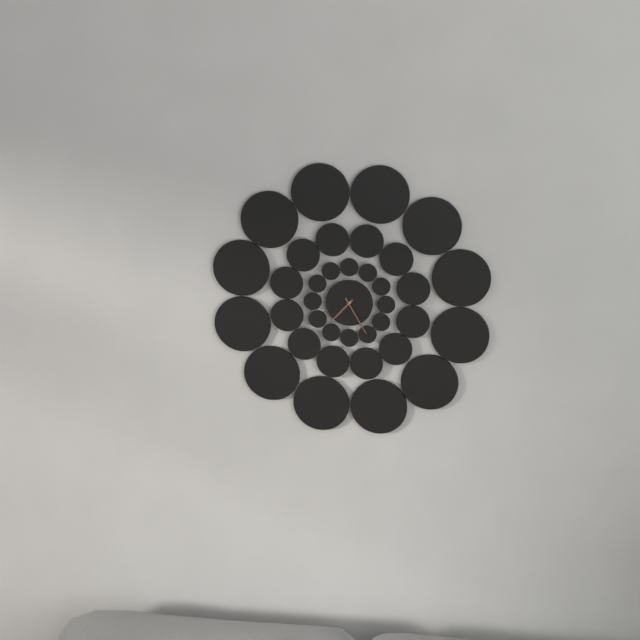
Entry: h=7 m=25
